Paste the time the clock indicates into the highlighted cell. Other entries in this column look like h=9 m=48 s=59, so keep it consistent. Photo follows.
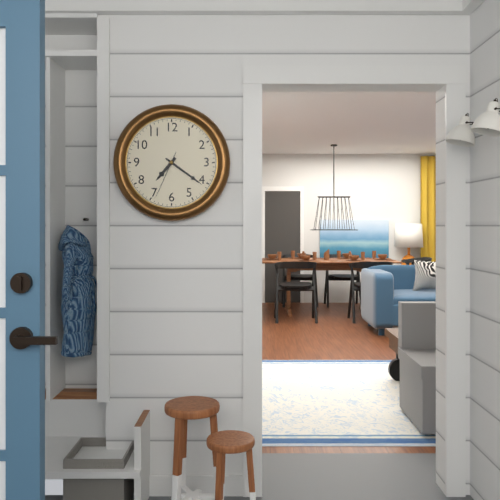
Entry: h=7 m=21 s=34
